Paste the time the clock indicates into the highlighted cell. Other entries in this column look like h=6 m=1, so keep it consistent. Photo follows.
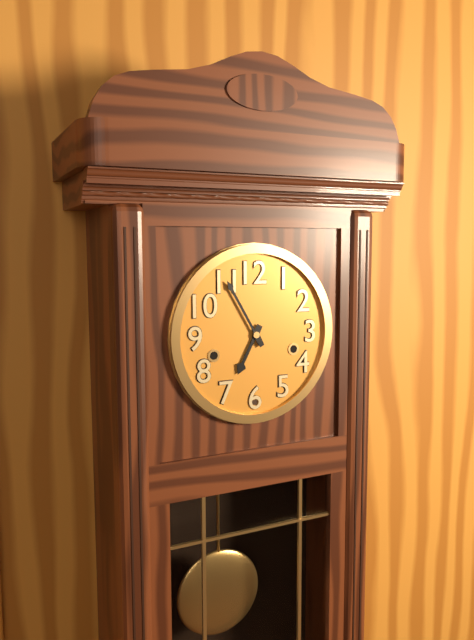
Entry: h=6 m=55
